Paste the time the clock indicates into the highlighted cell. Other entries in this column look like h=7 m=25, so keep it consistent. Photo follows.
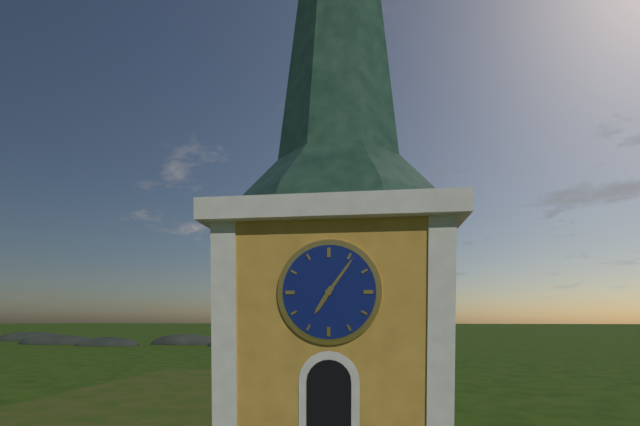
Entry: h=7 m=6
